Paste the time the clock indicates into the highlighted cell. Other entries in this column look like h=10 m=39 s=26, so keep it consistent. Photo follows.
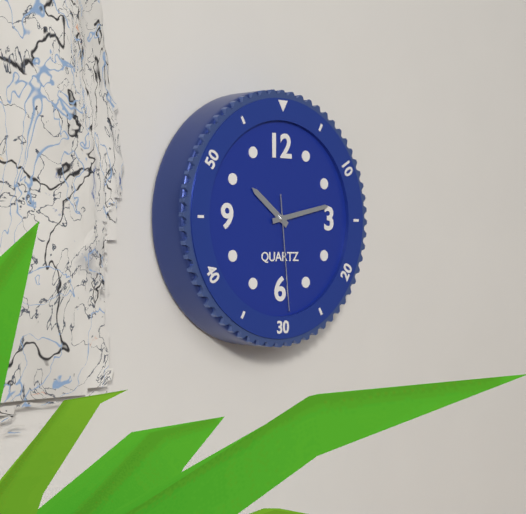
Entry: h=10 m=13 s=29
